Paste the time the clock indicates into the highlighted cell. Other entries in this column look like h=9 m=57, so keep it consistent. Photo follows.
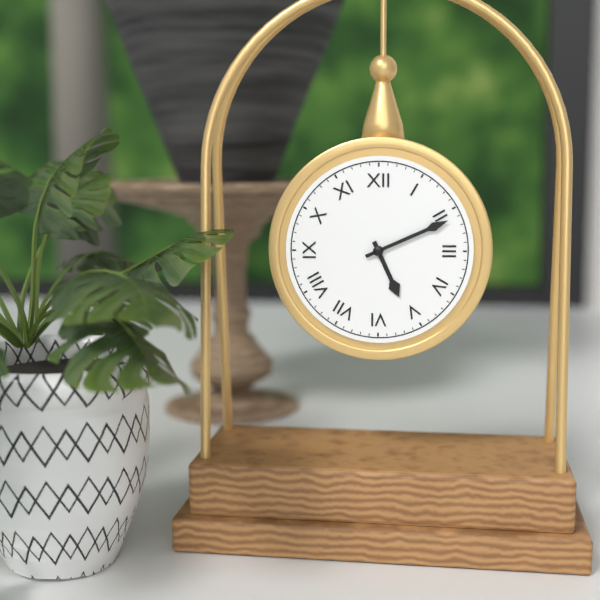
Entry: h=5 m=11
